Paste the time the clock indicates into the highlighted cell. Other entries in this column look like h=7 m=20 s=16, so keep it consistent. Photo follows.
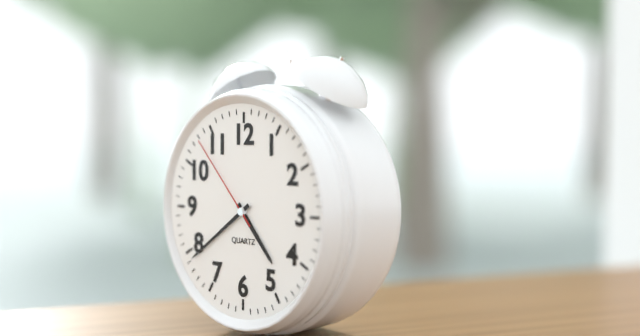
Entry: h=4 m=39 s=53
